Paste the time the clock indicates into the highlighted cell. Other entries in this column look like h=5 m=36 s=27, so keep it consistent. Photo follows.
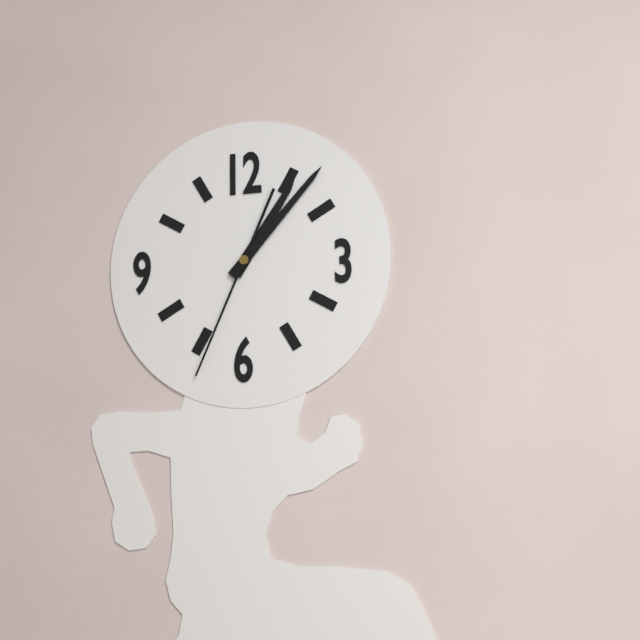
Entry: h=1 m=7 s=34
